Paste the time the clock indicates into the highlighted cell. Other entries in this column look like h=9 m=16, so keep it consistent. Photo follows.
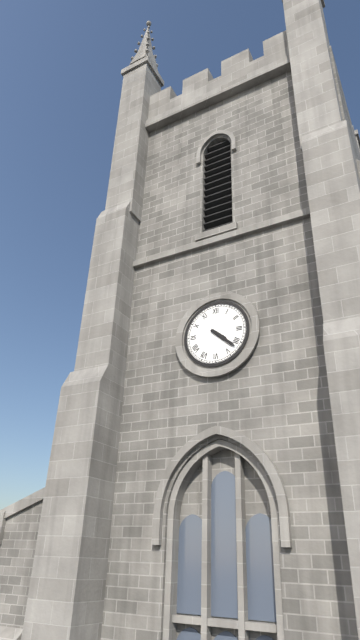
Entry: h=4 m=22
